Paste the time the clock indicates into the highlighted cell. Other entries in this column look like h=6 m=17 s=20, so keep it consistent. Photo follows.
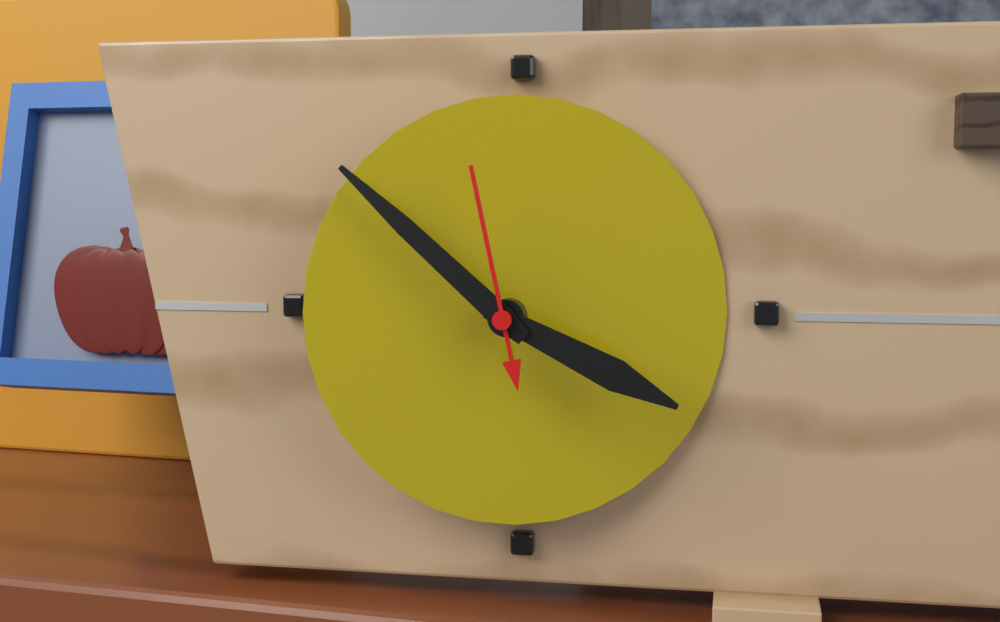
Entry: h=3 m=52 s=58
